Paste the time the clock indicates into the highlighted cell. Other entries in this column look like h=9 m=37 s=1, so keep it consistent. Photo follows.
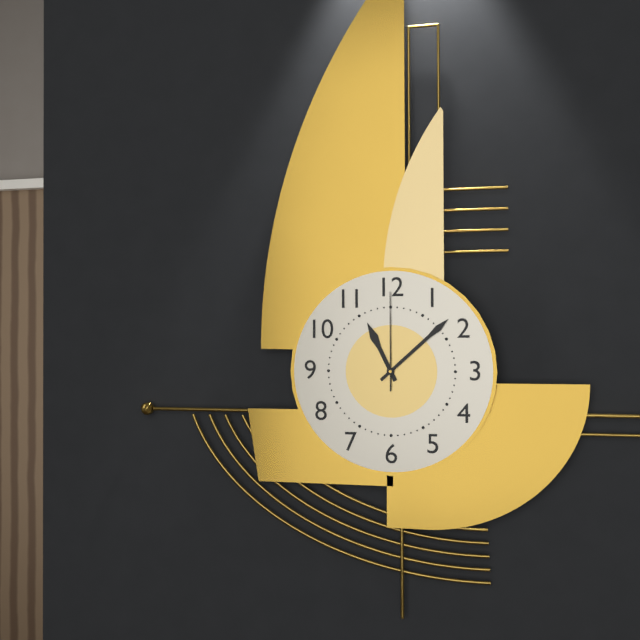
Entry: h=11 m=8 s=0
